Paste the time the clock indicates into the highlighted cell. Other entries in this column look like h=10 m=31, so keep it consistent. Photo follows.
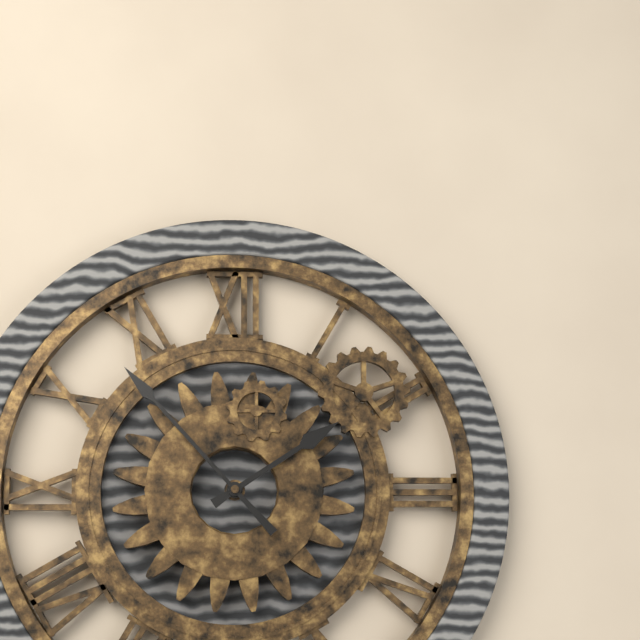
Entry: h=1 m=53
